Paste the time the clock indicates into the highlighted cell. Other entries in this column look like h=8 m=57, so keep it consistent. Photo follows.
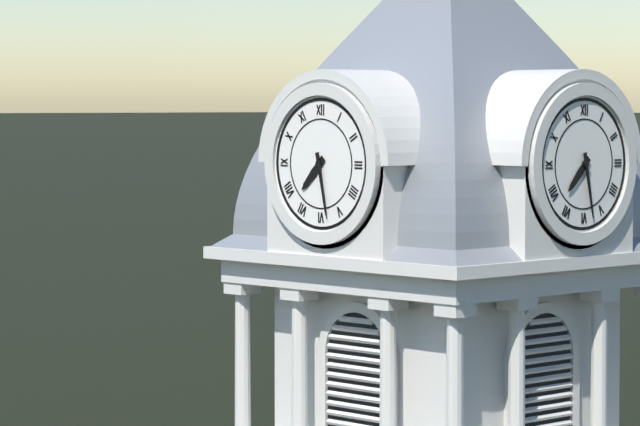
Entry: h=7 m=28
